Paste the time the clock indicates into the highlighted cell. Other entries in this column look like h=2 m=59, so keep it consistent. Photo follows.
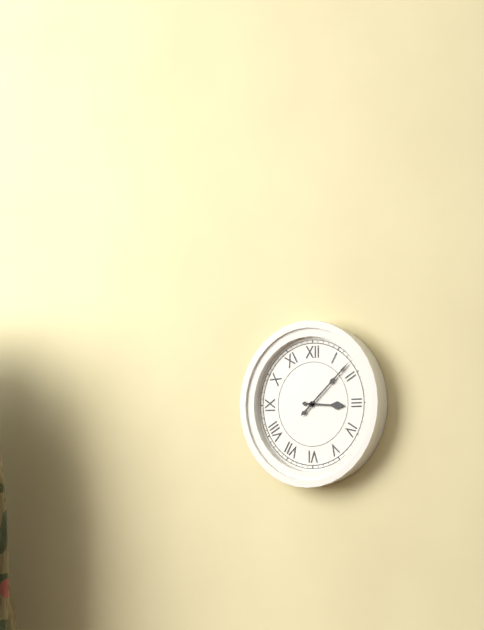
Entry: h=3 m=8
